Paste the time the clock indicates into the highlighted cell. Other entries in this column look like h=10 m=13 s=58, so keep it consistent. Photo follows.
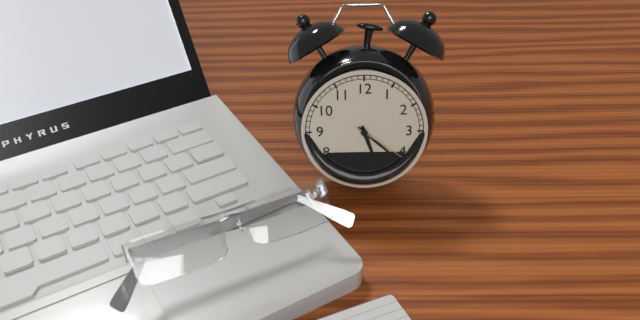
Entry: h=5 m=22 s=21
